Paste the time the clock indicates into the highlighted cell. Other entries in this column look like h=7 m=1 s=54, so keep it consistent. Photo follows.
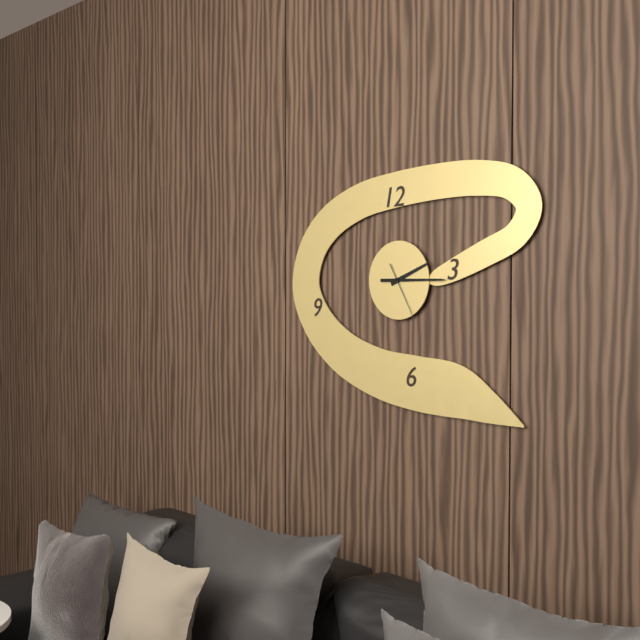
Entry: h=2 m=15 s=25
